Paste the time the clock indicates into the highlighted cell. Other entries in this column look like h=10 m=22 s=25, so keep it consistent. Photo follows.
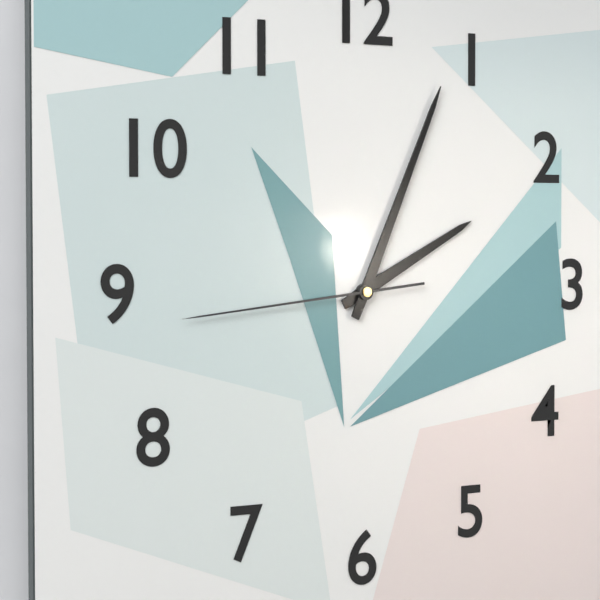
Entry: h=2 m=4 s=44
